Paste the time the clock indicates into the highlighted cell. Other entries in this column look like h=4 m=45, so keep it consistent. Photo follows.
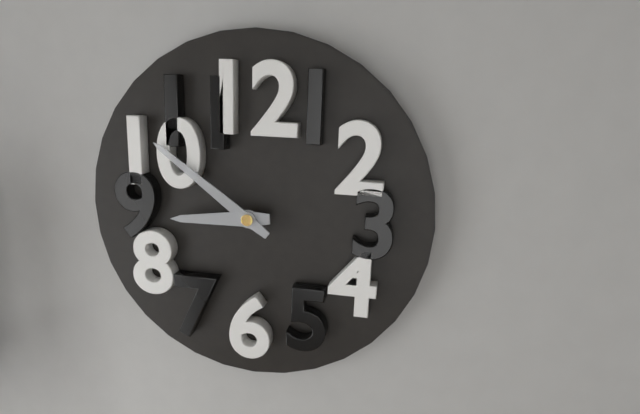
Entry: h=8 m=51
